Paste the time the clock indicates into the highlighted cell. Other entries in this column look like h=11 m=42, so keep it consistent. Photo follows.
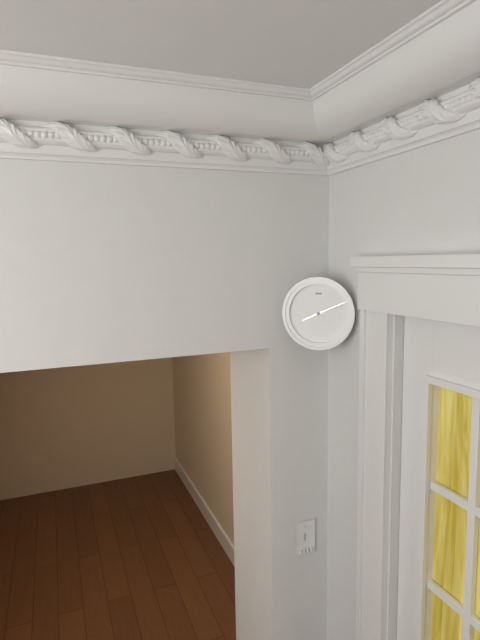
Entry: h=8 m=11
